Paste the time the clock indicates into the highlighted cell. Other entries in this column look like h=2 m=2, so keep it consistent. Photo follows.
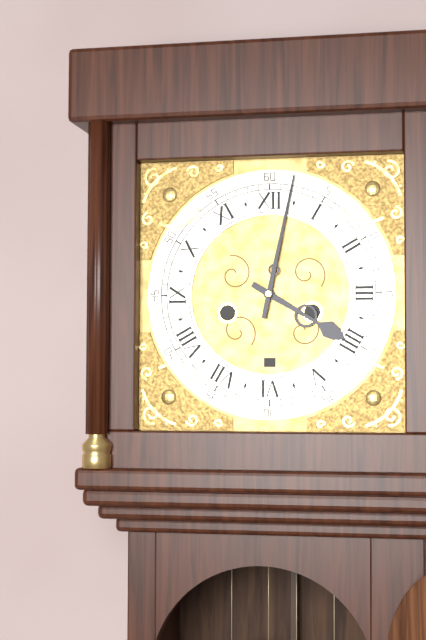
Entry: h=4 m=2
